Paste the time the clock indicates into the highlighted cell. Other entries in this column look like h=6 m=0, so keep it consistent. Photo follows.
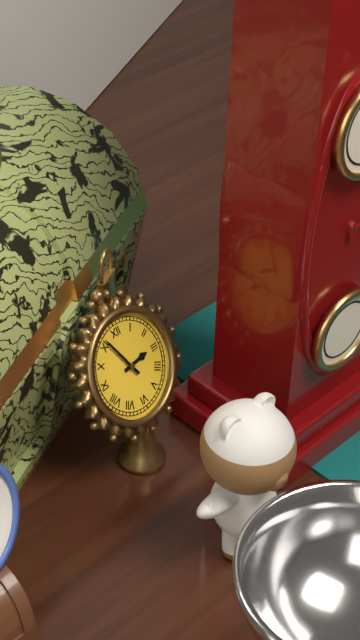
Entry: h=2 m=56
